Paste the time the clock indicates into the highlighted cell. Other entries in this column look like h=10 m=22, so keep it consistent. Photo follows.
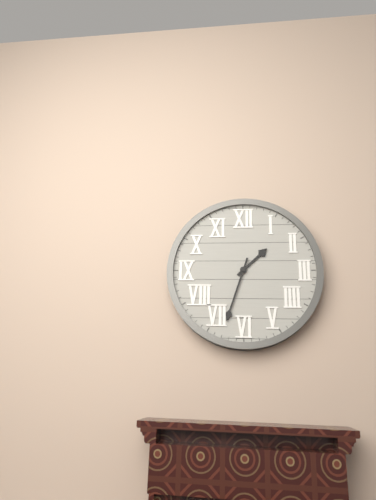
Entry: h=1 m=33
